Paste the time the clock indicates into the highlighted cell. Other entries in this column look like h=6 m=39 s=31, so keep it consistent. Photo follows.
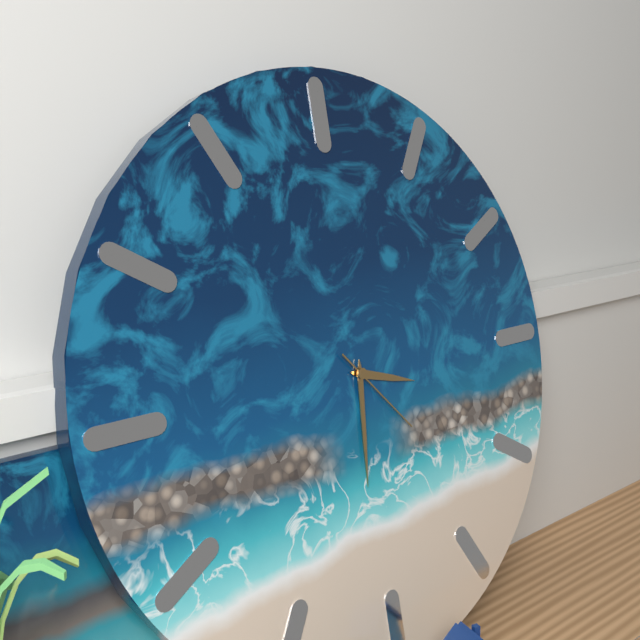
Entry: h=3 m=31 s=23
